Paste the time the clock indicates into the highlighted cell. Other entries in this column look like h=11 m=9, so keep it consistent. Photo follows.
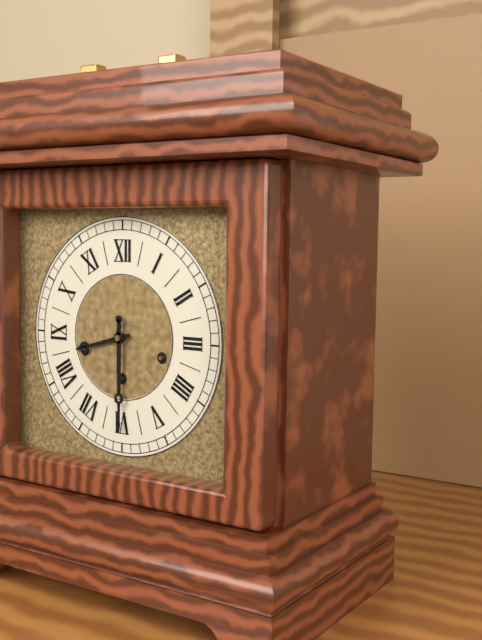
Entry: h=8 m=30
